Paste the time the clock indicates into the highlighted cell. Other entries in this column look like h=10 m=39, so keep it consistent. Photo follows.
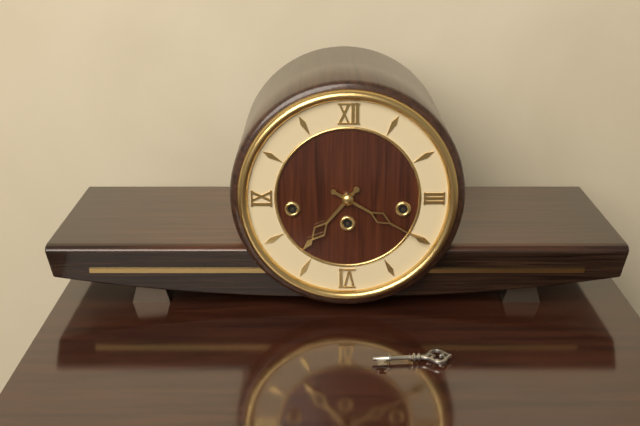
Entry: h=7 m=20
